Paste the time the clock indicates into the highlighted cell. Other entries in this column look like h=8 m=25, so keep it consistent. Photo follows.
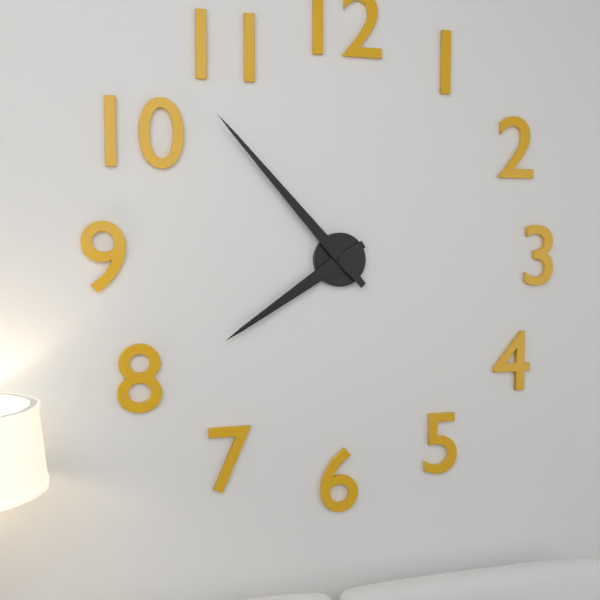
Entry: h=7 m=53
